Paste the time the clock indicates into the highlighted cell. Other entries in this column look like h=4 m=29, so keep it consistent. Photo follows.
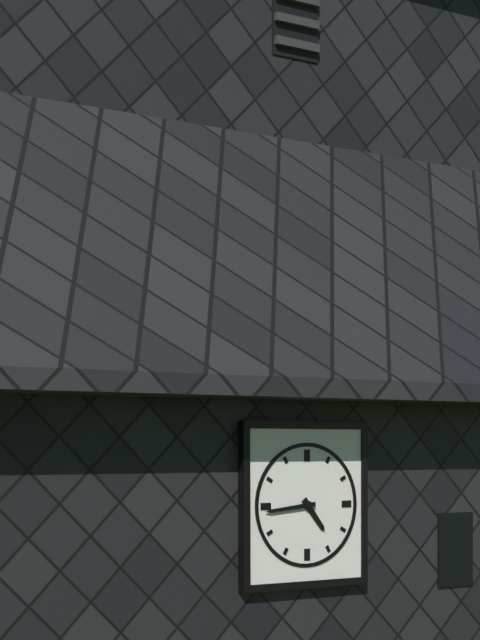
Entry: h=4 m=44
